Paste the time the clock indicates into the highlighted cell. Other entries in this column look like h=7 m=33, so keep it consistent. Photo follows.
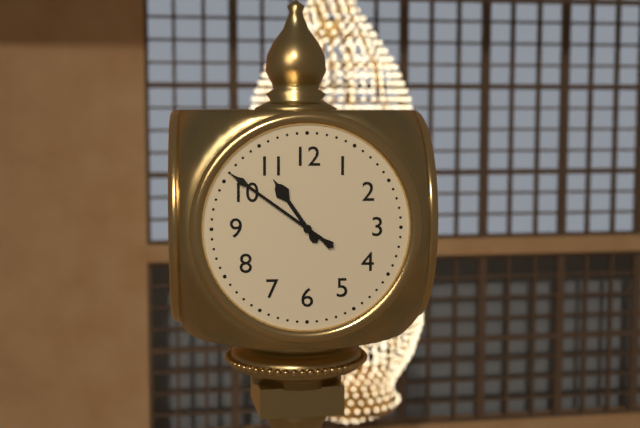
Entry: h=10 m=51
